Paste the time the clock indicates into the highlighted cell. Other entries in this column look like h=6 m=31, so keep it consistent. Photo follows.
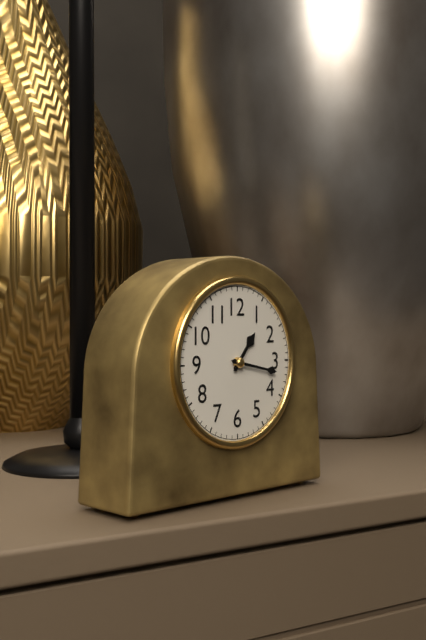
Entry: h=1 m=17
